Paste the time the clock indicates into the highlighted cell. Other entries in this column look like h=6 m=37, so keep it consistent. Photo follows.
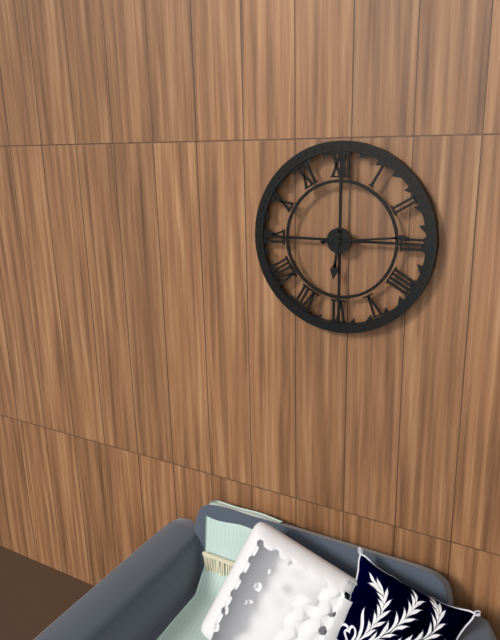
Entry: h=6 m=14
